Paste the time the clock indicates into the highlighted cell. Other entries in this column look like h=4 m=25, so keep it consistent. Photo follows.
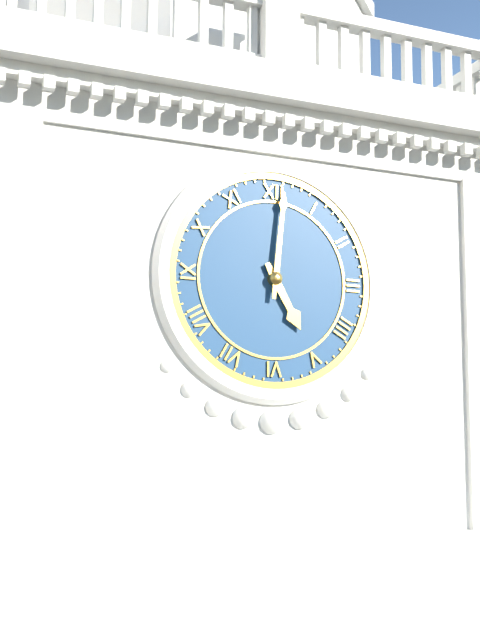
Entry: h=5 m=1
